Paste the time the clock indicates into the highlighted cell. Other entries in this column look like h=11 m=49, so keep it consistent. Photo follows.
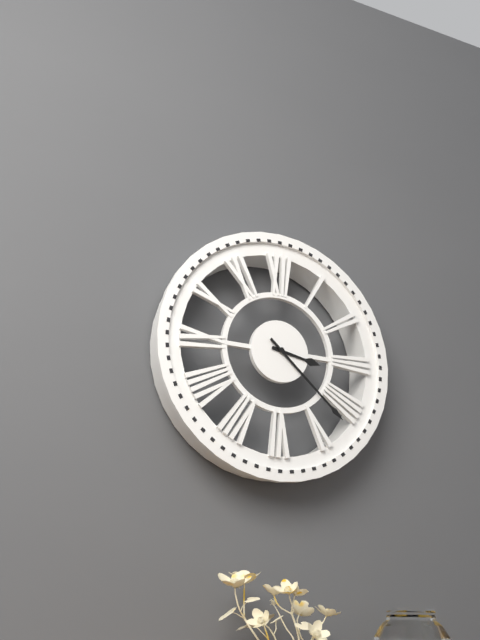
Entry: h=3 m=22
